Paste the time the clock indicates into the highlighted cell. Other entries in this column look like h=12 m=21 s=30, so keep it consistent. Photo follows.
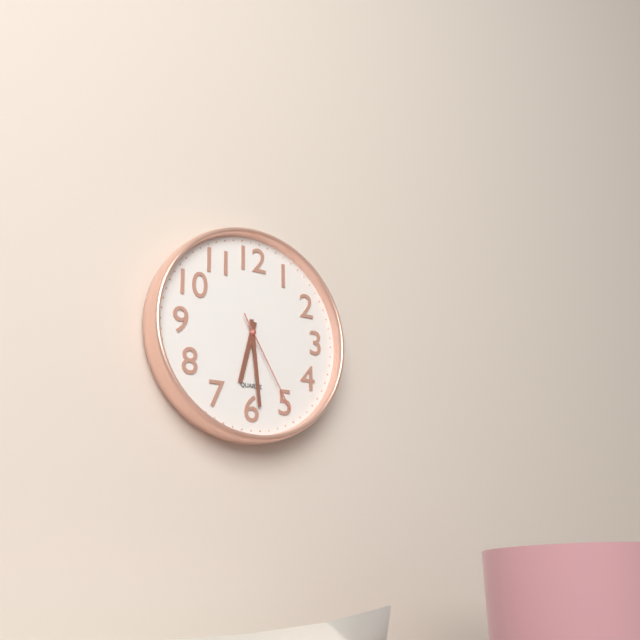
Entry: h=6 m=29 s=25
